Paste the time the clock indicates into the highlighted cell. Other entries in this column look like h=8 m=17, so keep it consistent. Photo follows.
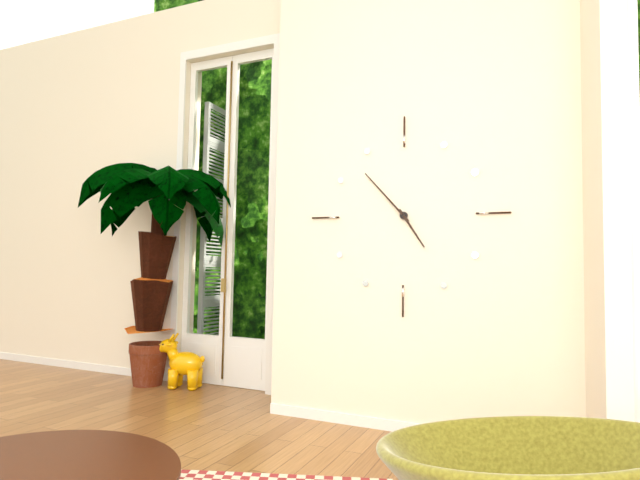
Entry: h=4 m=53
